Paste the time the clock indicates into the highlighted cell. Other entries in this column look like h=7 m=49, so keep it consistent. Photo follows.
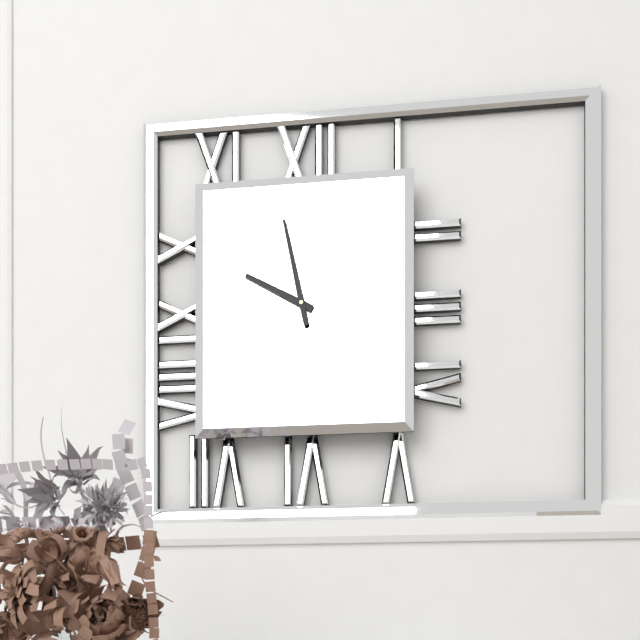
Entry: h=9 m=58
